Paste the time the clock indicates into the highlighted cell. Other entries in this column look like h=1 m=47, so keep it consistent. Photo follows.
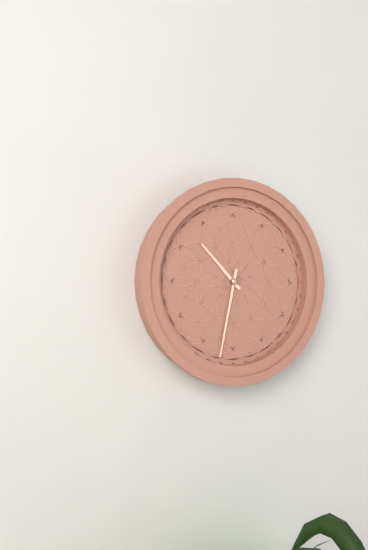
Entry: h=10 m=32
